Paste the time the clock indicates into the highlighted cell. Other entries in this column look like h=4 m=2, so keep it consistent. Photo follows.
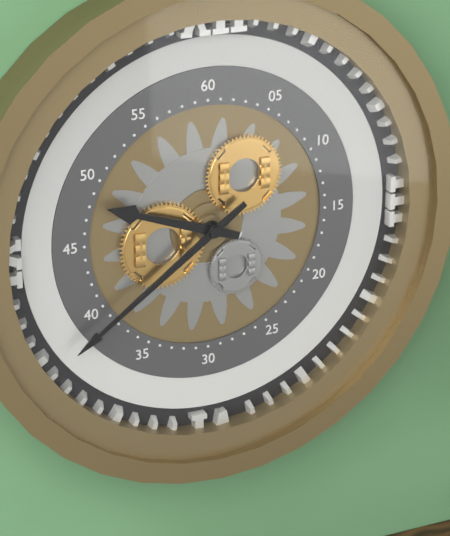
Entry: h=9 m=39
